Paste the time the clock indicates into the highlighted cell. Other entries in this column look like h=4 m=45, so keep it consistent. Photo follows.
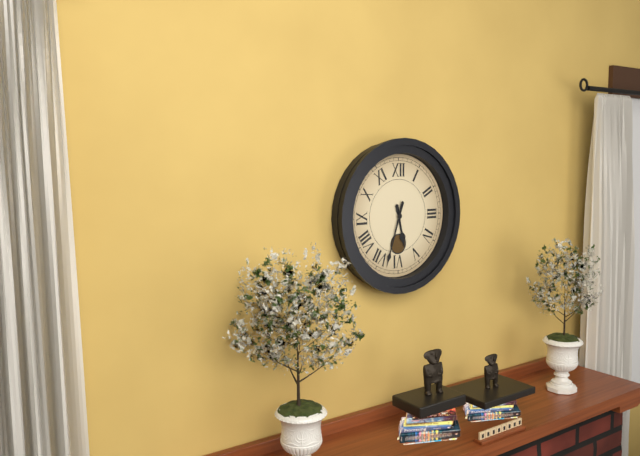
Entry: h=5 m=33
